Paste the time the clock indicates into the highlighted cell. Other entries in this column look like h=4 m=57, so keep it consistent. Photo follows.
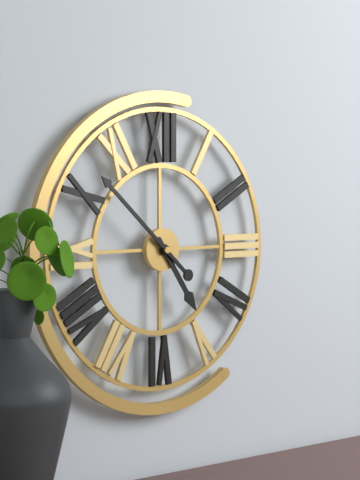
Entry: h=4 m=52
